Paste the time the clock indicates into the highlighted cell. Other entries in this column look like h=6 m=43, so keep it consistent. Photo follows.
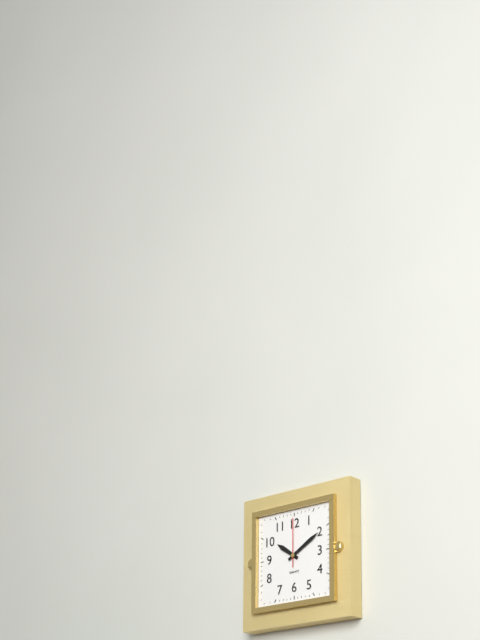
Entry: h=10 m=10
